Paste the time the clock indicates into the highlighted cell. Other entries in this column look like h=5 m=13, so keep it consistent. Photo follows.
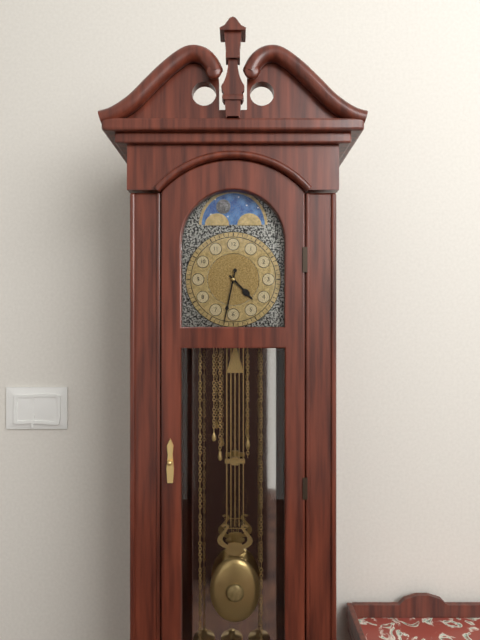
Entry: h=4 m=32
